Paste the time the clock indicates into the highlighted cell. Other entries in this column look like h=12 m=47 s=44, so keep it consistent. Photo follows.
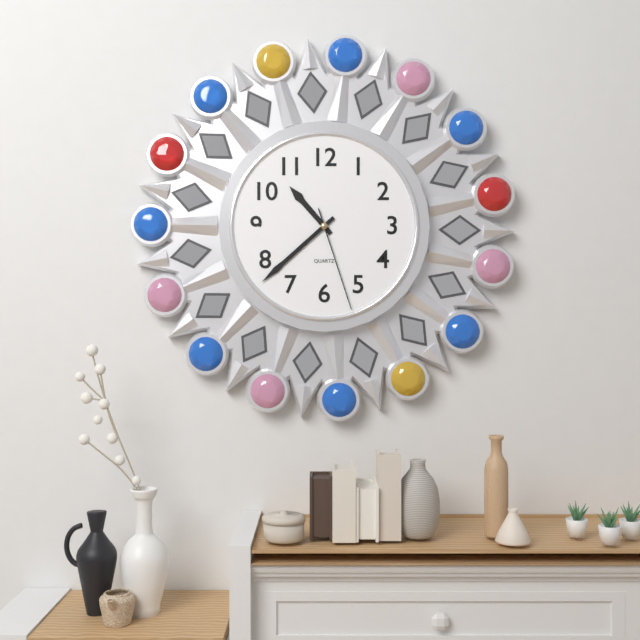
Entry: h=10 m=38 s=27
